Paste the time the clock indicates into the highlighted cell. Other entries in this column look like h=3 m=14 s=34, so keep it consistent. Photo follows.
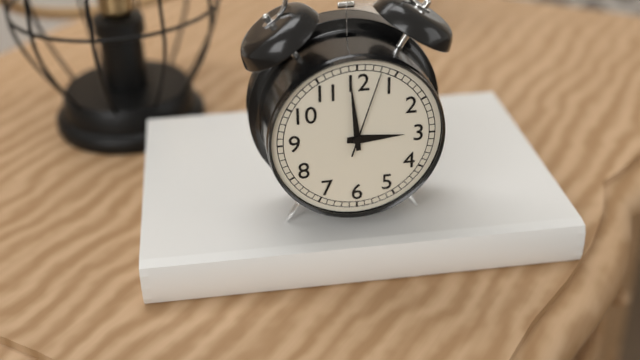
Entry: h=2 m=59 s=3
